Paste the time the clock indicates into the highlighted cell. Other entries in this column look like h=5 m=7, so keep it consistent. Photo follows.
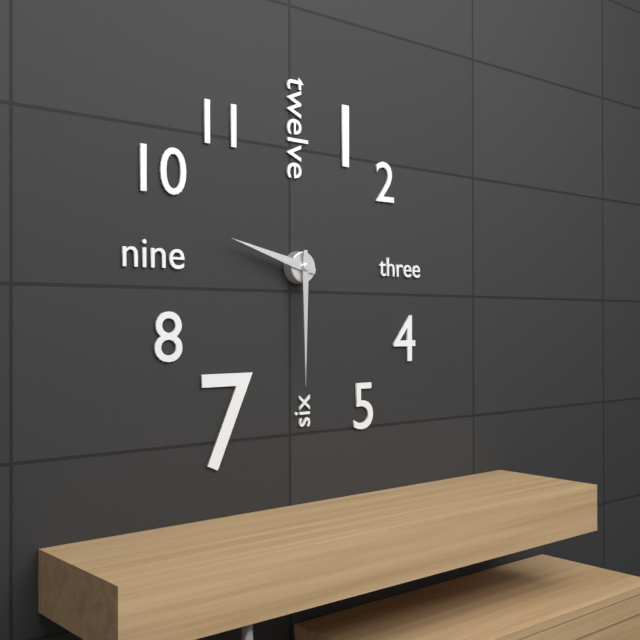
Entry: h=9 m=30
